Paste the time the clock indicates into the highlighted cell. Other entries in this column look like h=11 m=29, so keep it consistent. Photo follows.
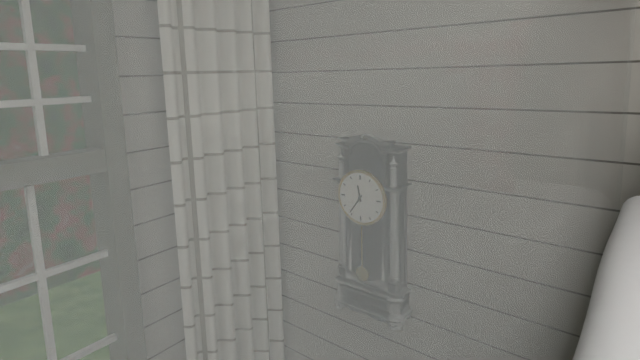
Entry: h=11 m=36
